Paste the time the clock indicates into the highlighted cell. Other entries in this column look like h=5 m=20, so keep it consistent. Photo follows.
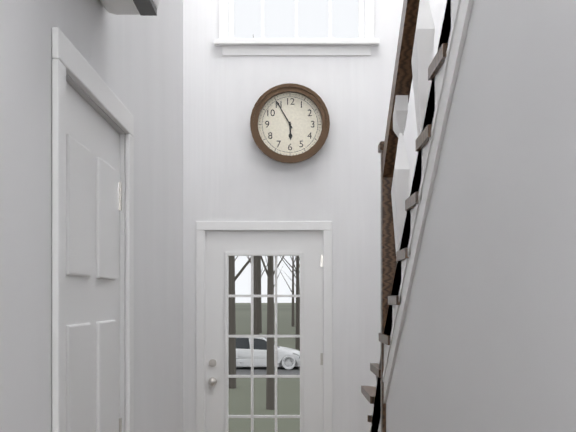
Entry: h=5 m=55
